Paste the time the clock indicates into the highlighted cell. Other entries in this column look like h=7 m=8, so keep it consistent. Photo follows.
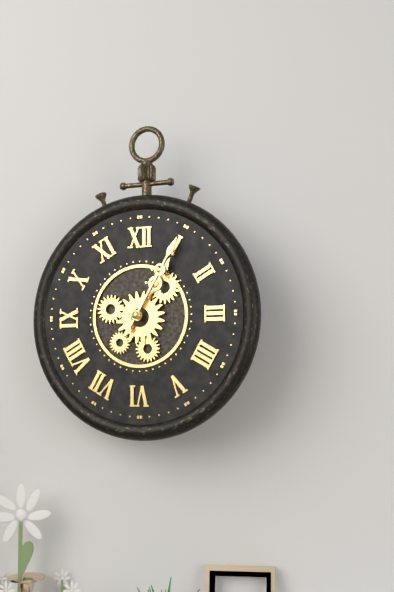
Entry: h=1 m=5
